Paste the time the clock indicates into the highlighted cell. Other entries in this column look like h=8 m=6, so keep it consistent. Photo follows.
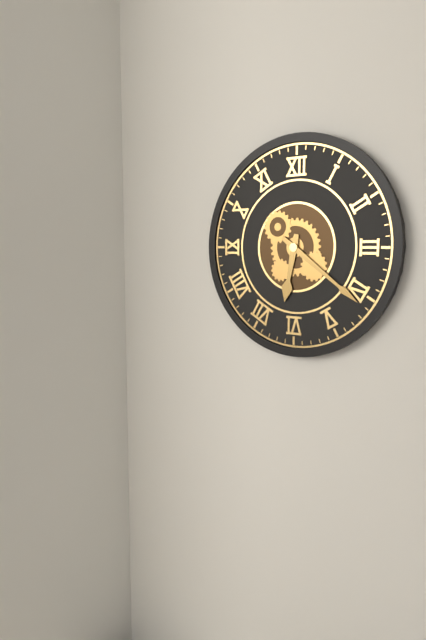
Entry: h=6 m=21
